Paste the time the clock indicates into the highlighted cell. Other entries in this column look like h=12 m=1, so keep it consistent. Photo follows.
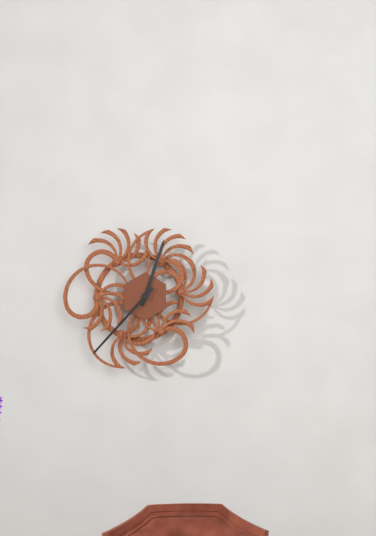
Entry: h=12 m=37
